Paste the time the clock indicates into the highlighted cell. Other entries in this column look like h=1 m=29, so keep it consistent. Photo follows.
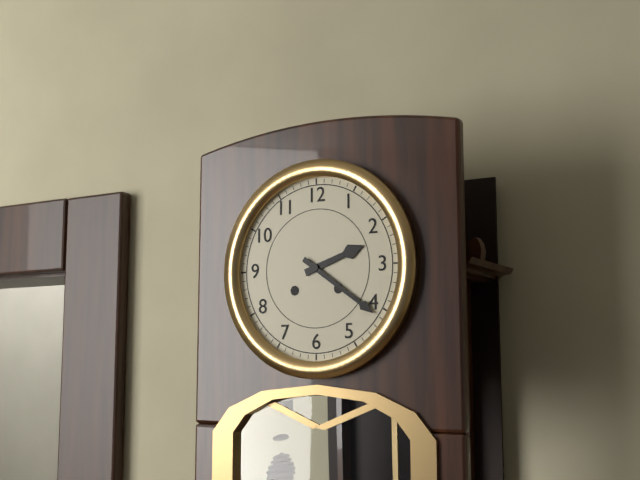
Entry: h=2 m=21
